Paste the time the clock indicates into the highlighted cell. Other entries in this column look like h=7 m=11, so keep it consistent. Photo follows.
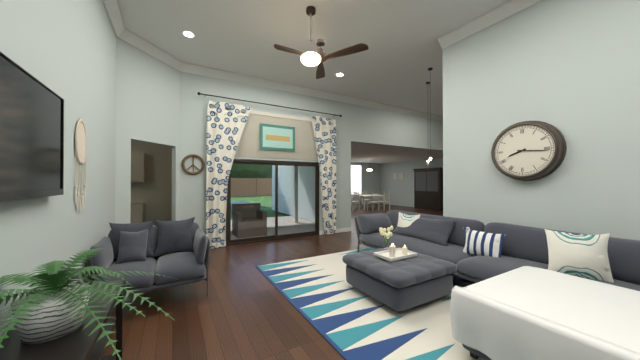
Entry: h=8 m=16
